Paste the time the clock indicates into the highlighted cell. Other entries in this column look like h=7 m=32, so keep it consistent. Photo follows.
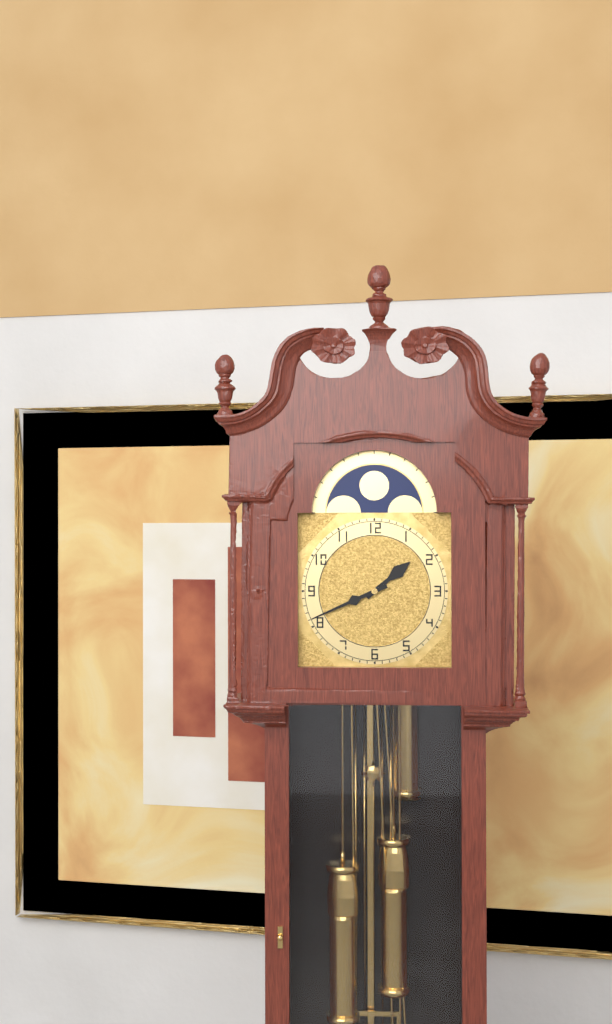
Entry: h=1 m=41
